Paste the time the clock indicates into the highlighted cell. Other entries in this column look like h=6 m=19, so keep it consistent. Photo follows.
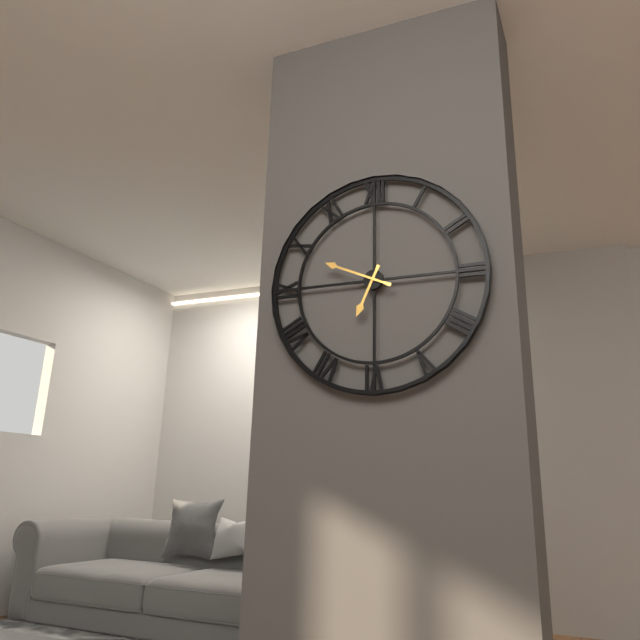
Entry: h=6 m=49
